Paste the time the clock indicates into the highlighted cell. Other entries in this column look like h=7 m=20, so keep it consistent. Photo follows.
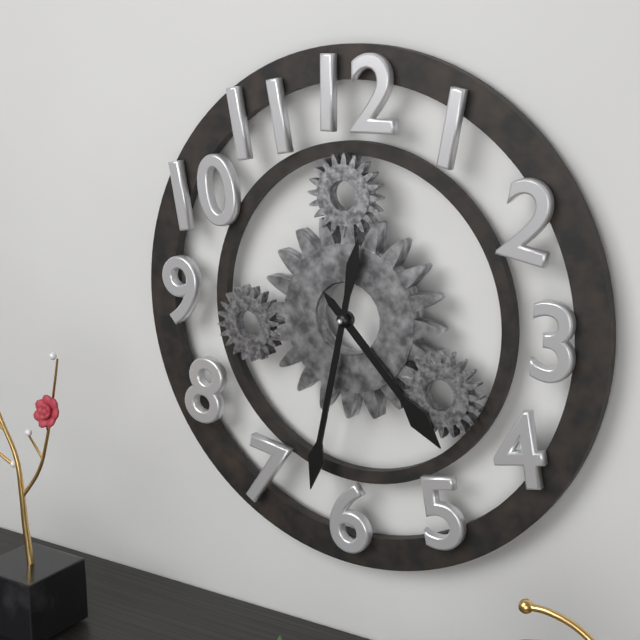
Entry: h=4 m=32
